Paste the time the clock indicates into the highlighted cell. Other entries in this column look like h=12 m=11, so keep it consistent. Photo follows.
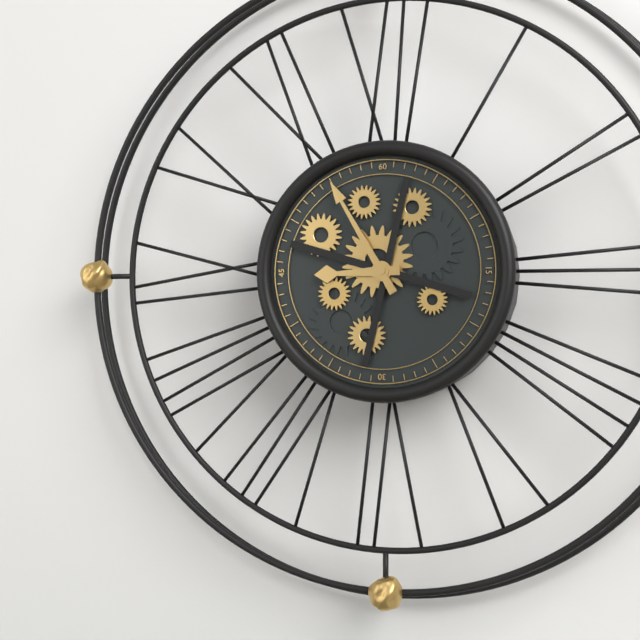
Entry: h=8 m=55
